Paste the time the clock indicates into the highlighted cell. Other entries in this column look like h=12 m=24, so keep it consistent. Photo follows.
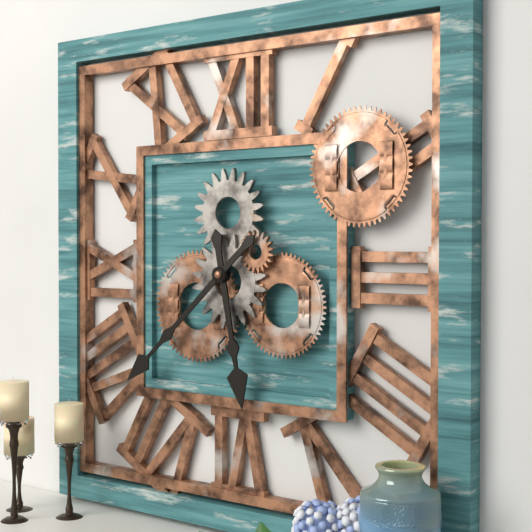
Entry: h=5 m=38
